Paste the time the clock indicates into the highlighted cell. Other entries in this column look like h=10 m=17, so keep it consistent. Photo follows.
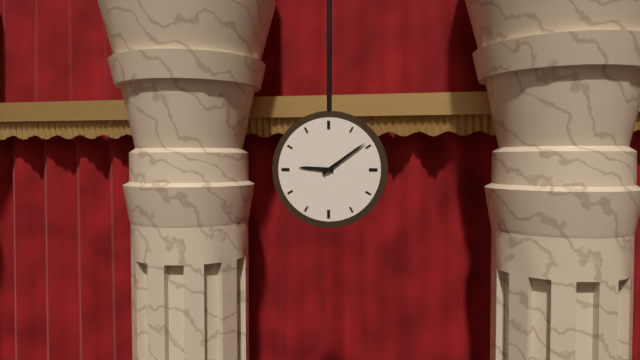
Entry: h=9 m=9
